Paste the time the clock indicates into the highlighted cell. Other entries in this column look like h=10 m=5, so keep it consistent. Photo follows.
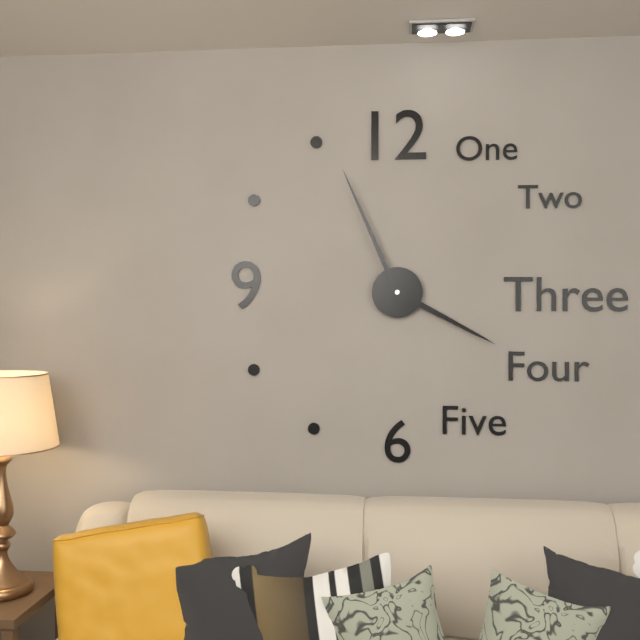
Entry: h=3 m=56
